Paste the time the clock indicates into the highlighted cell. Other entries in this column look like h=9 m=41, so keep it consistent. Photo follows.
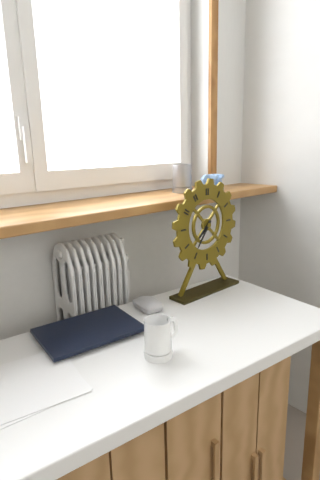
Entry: h=7 m=36
